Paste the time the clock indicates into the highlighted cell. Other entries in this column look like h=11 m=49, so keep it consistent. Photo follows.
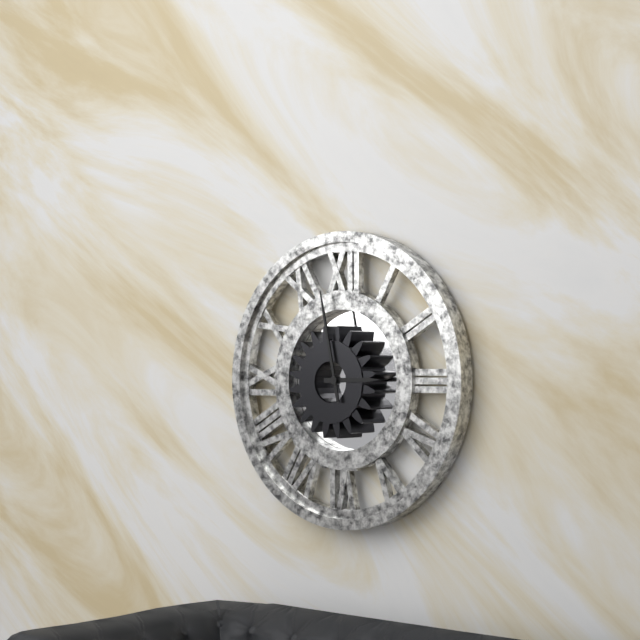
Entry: h=2 m=58
